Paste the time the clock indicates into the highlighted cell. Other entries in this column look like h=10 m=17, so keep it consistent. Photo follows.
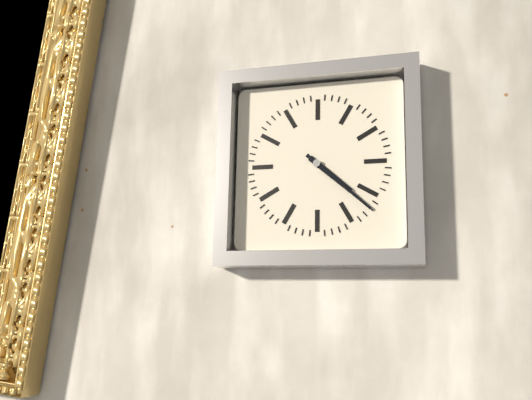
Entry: h=4 m=22
